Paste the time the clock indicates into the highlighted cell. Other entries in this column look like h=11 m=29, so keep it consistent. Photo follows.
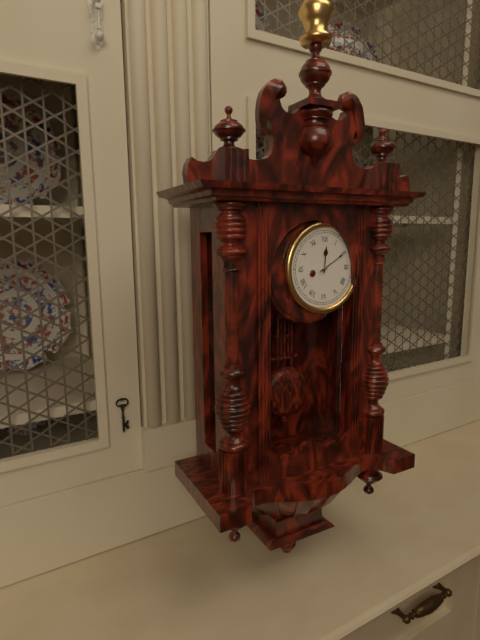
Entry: h=12 m=10
